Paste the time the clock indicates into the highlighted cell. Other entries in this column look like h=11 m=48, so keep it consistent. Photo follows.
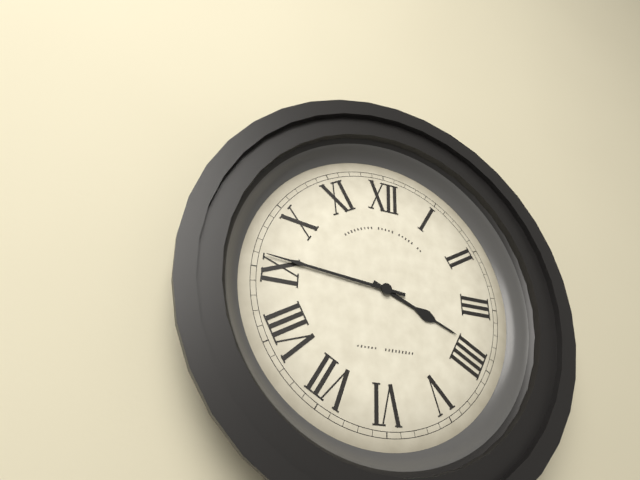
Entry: h=3 m=46
